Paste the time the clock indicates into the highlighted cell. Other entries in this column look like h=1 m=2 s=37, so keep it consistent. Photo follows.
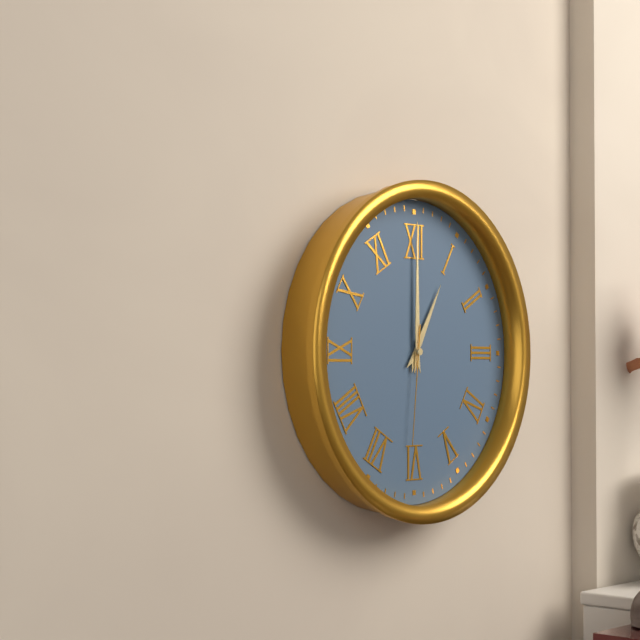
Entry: h=1 m=0 s=31
